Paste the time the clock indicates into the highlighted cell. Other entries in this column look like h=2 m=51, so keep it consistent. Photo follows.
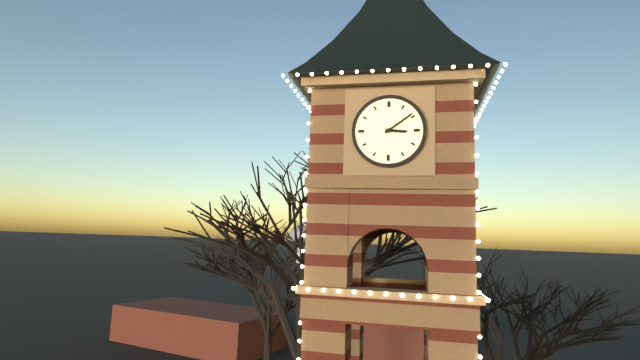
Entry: h=3 m=9
